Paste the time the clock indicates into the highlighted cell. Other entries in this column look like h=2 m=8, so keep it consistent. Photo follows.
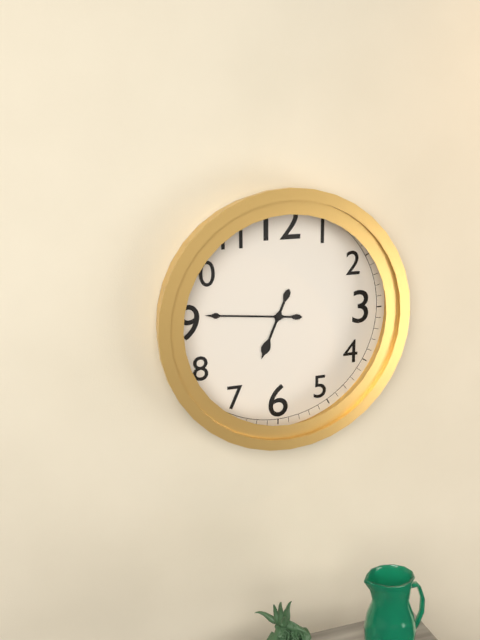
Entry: h=6 m=46
